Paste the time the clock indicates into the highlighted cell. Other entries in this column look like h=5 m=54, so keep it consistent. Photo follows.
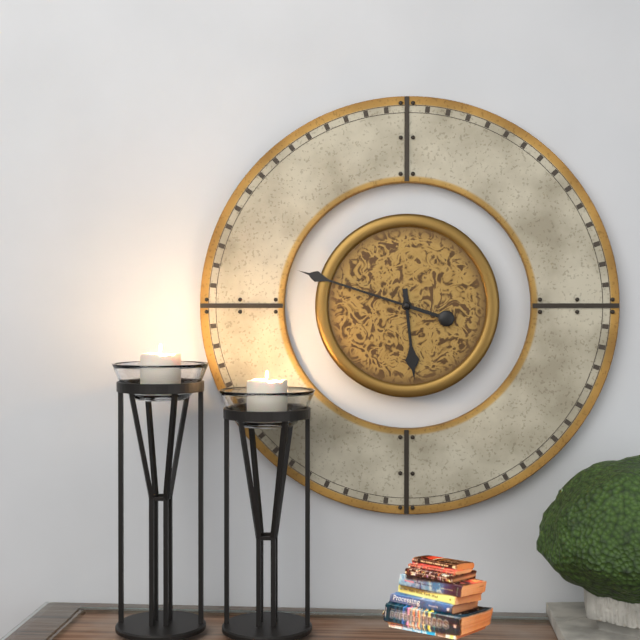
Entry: h=5 m=48
